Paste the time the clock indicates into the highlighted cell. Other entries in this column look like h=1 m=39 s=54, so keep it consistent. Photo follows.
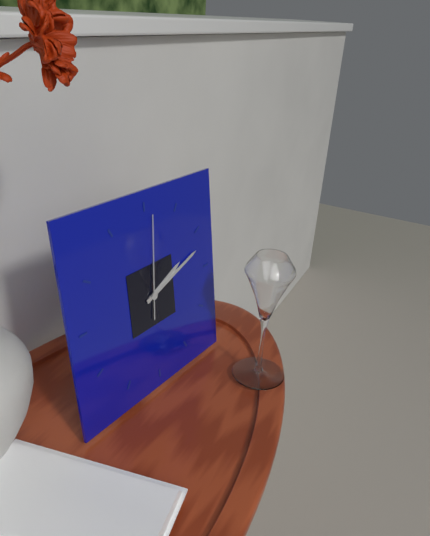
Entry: h=2 m=12 s=1
